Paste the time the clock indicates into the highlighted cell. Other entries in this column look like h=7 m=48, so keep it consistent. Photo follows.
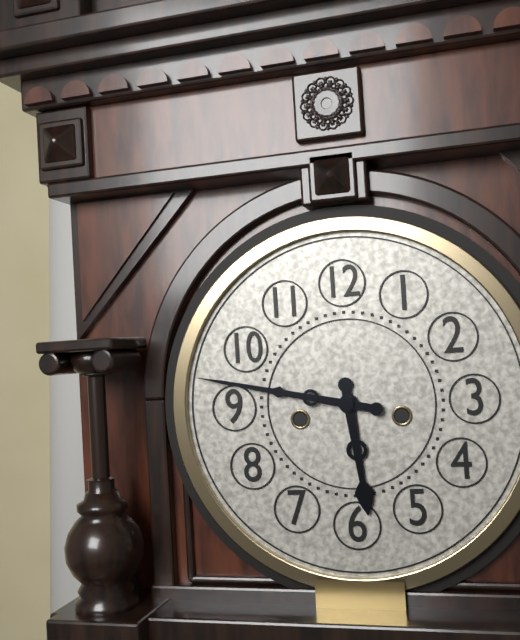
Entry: h=5 m=47
